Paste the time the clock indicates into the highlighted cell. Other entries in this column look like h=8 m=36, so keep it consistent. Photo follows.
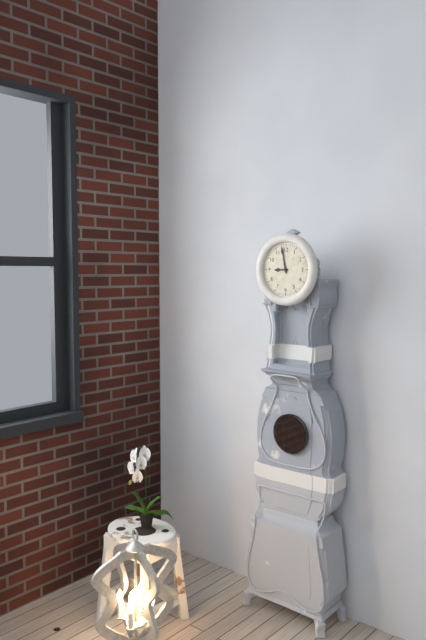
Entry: h=8 m=58
